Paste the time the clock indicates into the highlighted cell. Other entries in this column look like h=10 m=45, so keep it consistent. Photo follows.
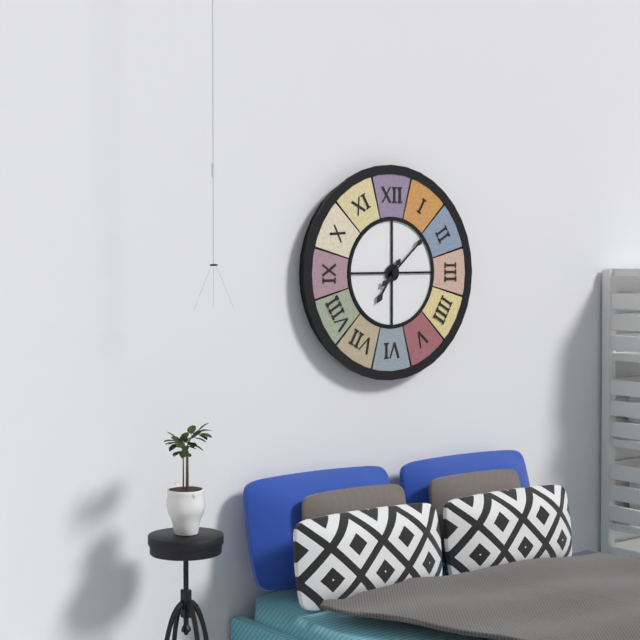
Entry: h=7 m=8
